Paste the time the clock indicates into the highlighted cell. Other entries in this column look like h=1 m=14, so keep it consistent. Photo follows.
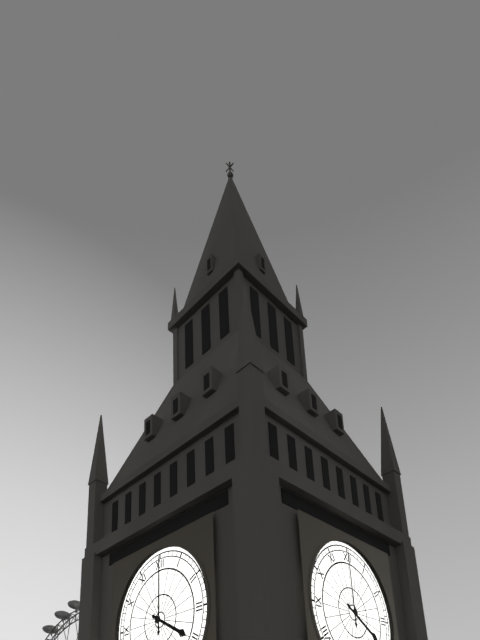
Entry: h=4 m=0
